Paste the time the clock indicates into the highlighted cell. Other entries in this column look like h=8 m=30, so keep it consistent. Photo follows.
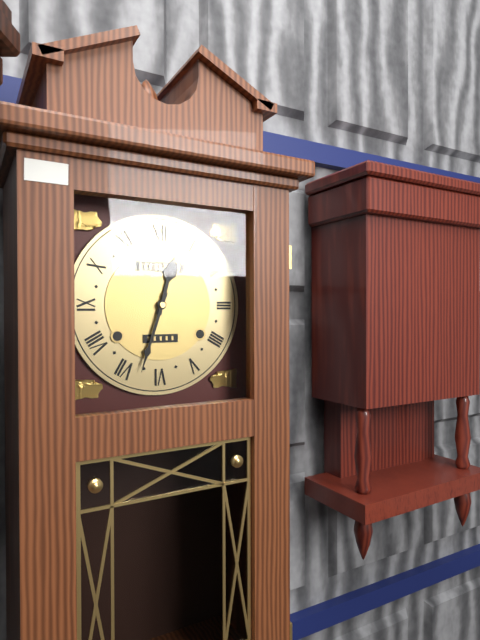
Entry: h=12 m=33
